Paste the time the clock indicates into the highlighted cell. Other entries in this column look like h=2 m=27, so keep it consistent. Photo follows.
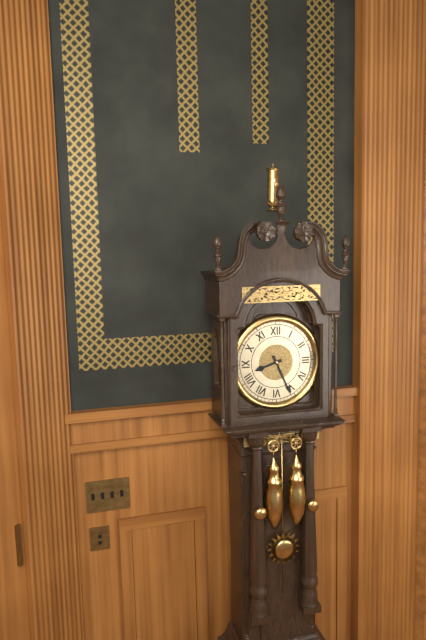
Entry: h=8 m=26
